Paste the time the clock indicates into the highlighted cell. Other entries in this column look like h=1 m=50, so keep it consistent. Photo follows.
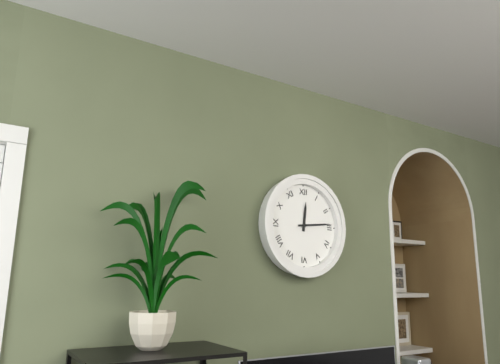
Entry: h=12 m=14
